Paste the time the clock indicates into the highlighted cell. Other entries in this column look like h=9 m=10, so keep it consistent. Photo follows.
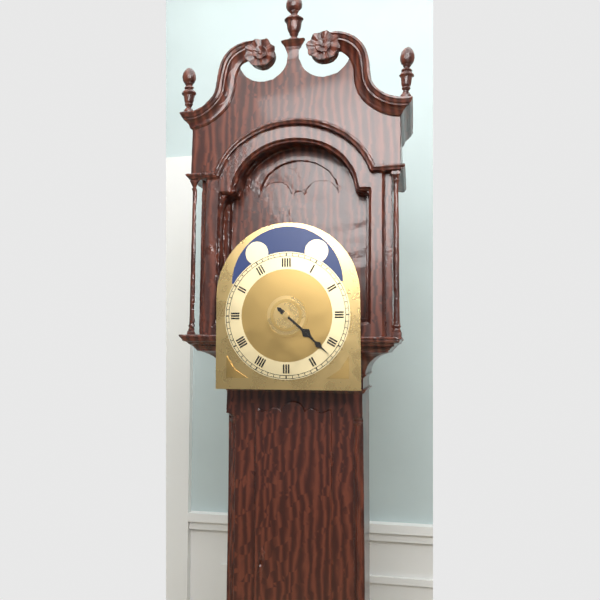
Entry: h=4 m=22
